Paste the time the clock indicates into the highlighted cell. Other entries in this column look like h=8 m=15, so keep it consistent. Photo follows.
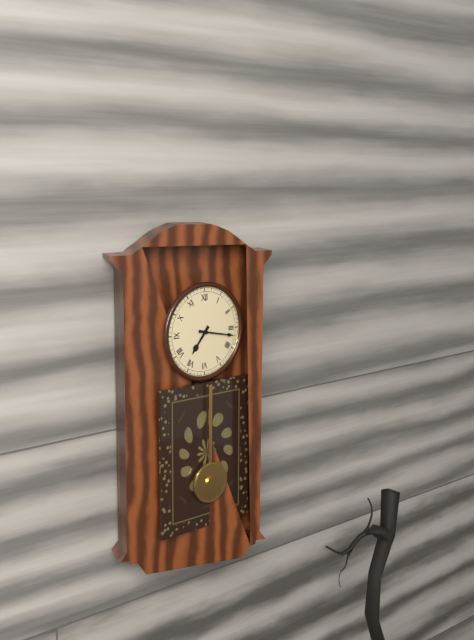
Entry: h=7 m=17
